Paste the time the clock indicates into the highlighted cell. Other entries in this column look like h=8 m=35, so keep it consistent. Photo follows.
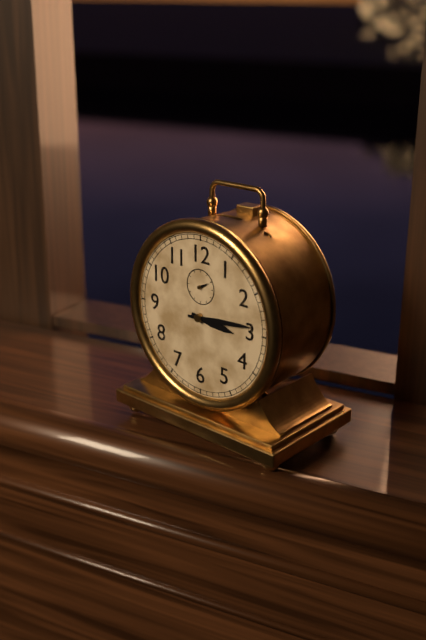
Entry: h=3 m=14
